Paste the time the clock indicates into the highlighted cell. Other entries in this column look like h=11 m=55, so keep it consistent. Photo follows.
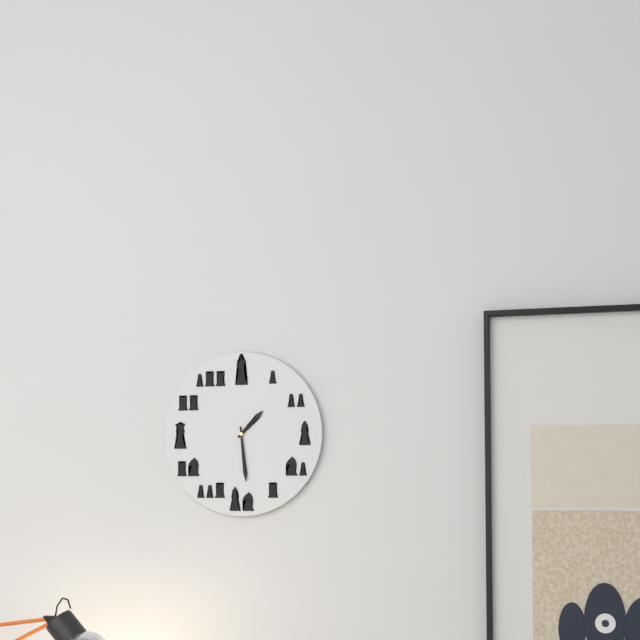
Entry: h=1 m=29
